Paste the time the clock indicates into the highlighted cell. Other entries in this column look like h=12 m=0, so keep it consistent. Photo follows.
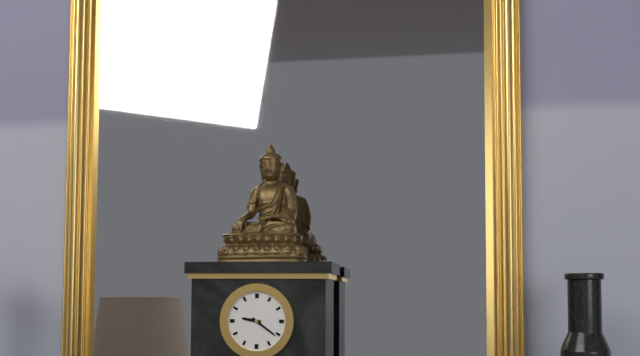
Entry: h=9 m=21
